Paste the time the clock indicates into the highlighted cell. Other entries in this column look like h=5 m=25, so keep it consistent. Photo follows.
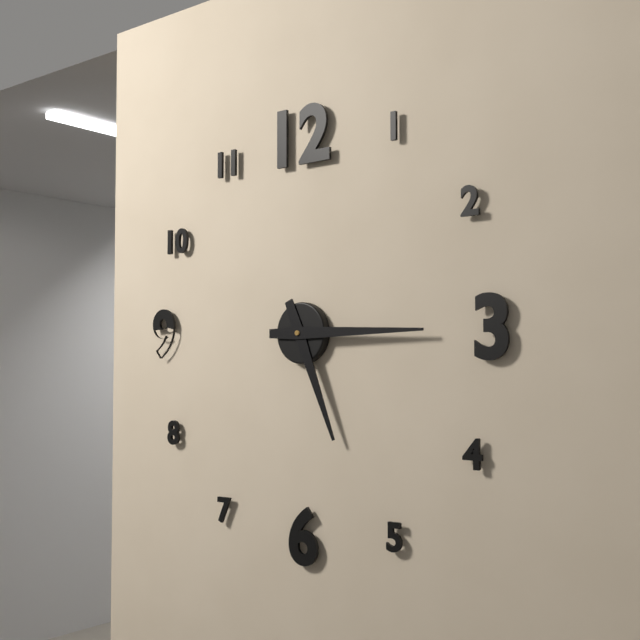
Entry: h=5 m=15
